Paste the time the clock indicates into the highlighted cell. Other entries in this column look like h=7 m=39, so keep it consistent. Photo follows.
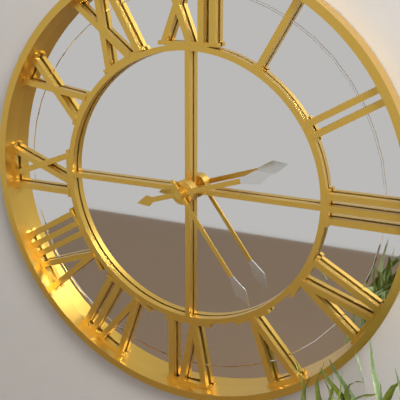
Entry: h=2 m=24
